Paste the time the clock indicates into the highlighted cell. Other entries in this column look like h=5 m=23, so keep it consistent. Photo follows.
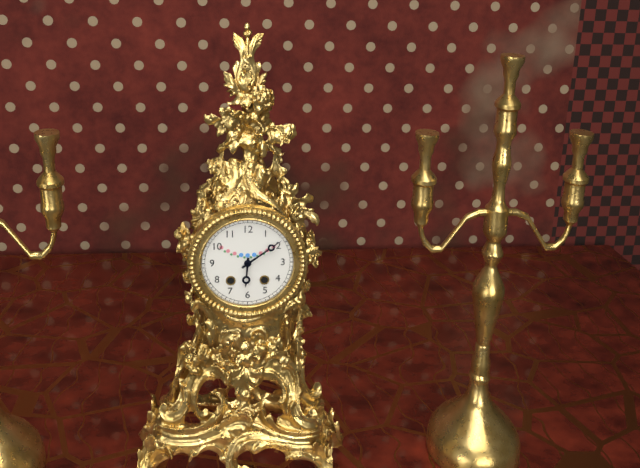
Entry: h=6 m=9
